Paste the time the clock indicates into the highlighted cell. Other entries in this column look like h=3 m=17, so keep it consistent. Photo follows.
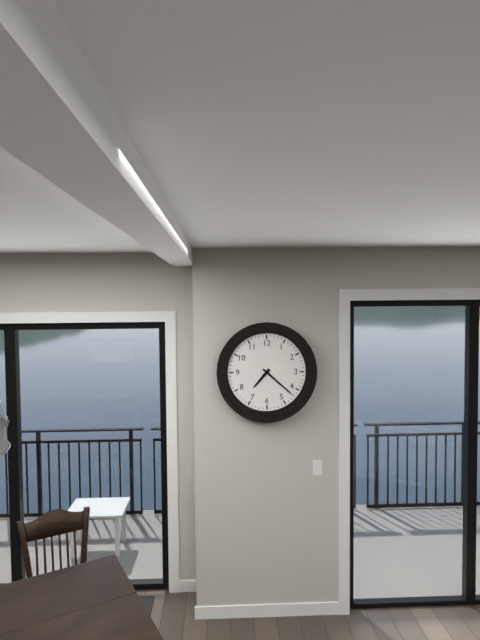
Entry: h=7 m=22
